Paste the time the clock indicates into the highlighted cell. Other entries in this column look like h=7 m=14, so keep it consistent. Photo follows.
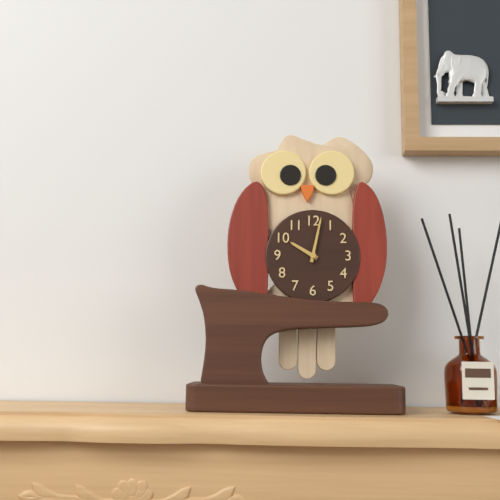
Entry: h=10 m=2
